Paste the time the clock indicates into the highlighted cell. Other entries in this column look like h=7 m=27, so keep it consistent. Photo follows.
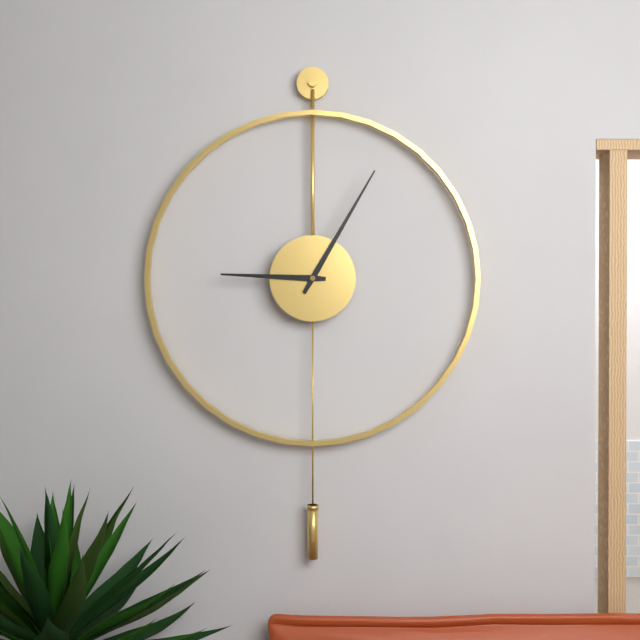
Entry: h=9 m=5
